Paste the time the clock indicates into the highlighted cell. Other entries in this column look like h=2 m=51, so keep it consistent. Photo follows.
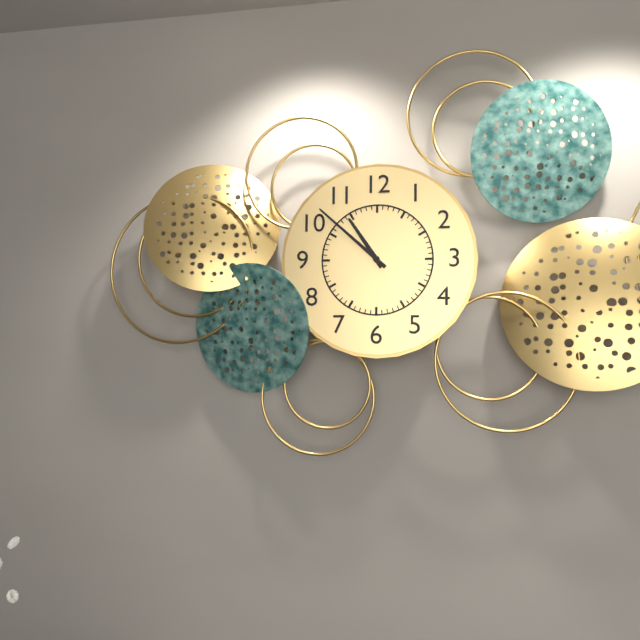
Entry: h=10 m=52
